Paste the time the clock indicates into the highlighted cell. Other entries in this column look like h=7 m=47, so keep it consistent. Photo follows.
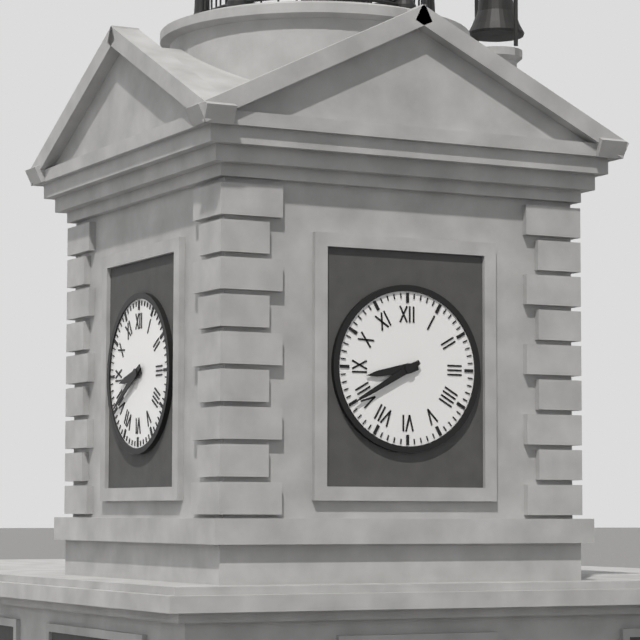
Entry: h=8 m=40
